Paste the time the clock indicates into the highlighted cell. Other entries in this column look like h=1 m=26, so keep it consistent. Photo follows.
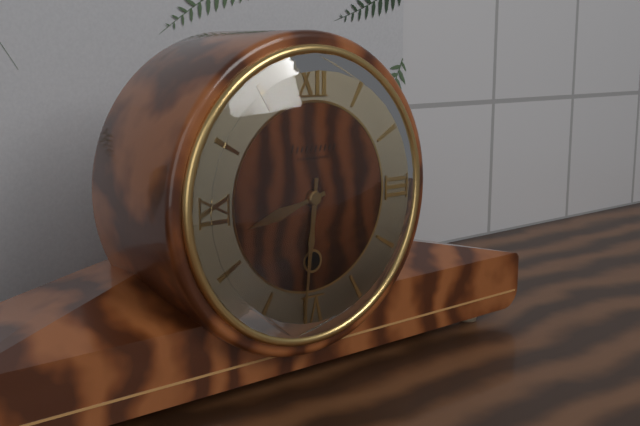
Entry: h=8 m=31
